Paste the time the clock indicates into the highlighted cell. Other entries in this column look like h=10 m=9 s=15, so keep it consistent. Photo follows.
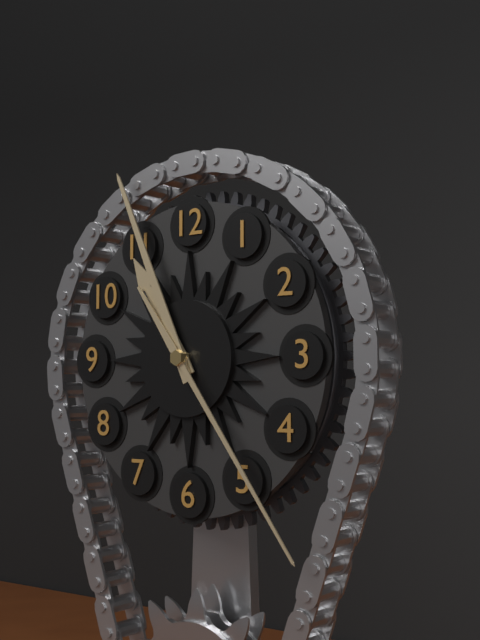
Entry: h=10 m=56 s=24
